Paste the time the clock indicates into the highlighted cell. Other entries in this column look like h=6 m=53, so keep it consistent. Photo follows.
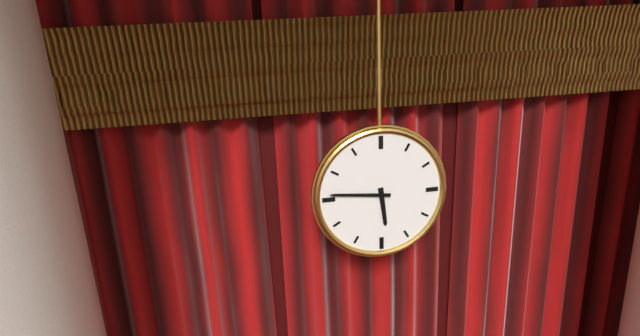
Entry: h=5 m=46
